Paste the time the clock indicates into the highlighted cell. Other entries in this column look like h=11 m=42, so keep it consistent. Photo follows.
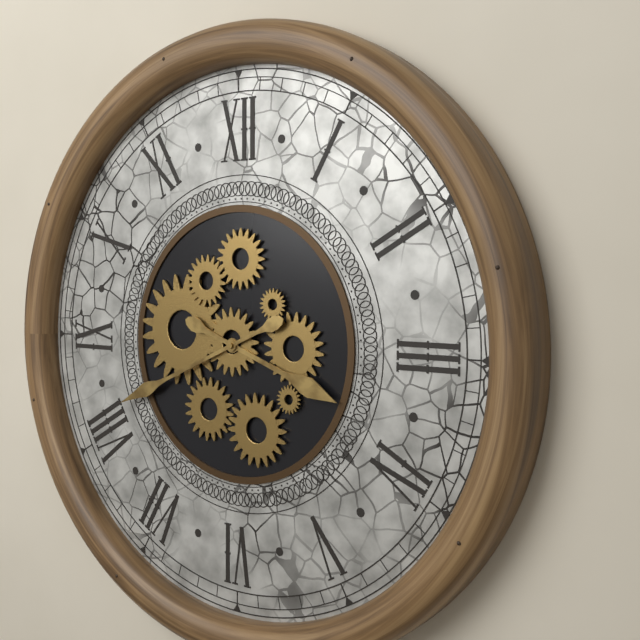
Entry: h=3 m=41
